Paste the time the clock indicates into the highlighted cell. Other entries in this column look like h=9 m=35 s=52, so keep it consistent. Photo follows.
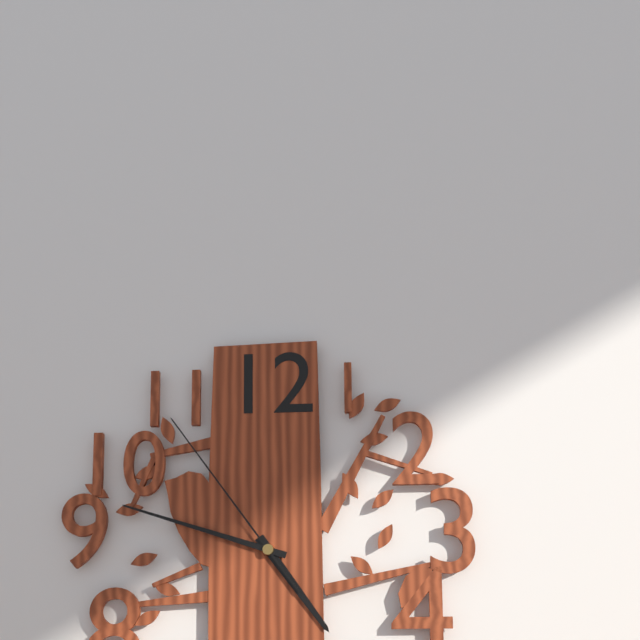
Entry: h=4 m=48 s=54
